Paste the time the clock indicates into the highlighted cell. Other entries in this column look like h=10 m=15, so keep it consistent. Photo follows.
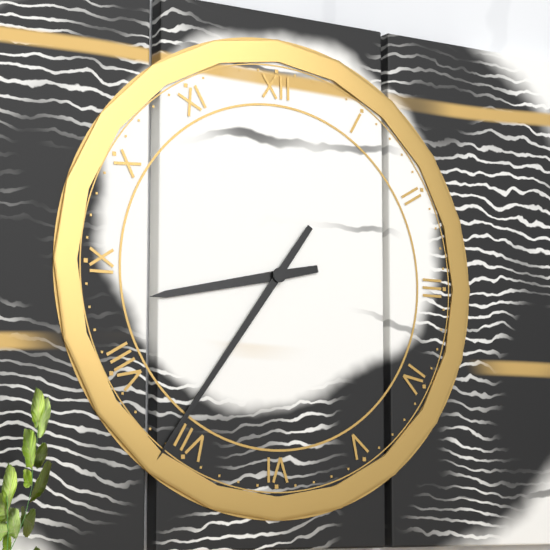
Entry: h=8 m=36
